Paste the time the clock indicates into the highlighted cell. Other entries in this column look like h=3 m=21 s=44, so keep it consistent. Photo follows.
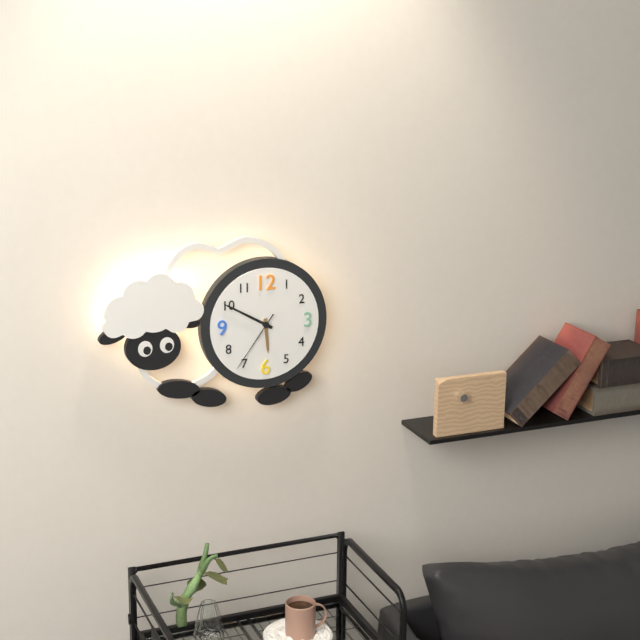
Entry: h=5 m=50 s=36
